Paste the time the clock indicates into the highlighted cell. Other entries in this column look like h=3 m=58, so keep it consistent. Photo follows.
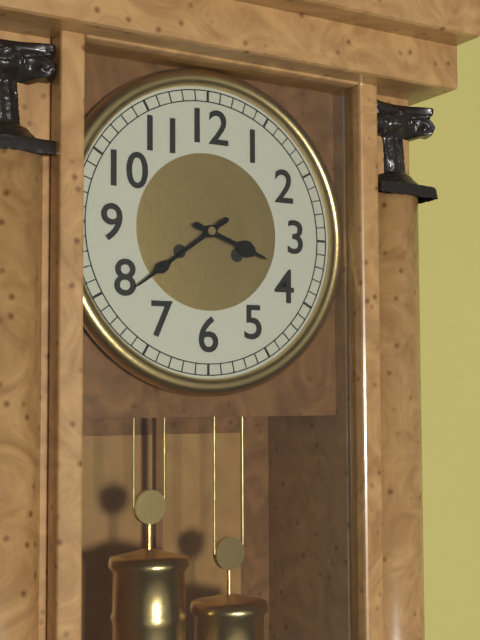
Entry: h=3 m=39
